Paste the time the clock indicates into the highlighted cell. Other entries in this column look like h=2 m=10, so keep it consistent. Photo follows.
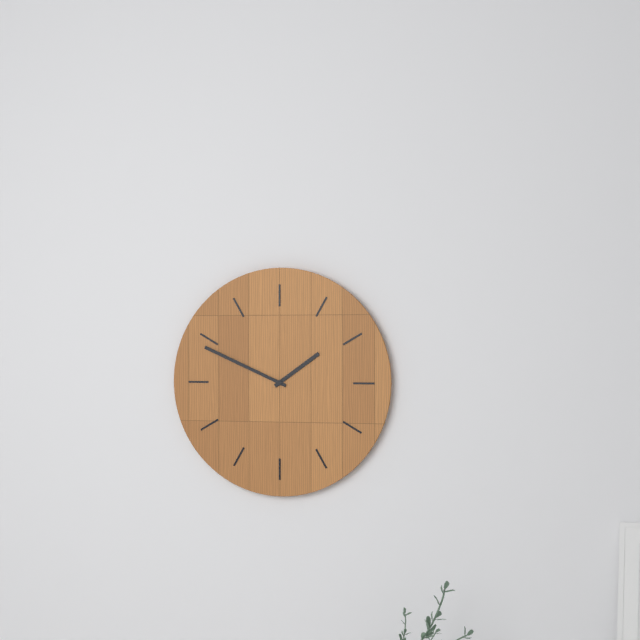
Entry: h=1 m=49
